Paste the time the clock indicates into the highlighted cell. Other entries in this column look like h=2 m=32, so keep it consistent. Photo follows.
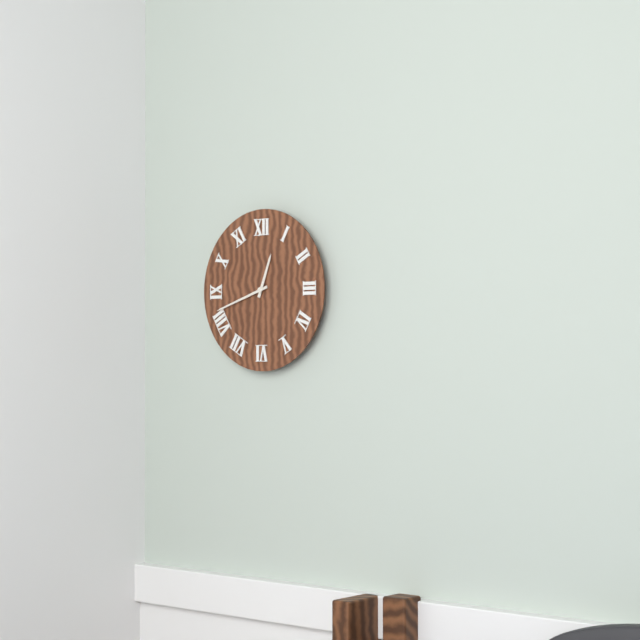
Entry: h=12 m=42
